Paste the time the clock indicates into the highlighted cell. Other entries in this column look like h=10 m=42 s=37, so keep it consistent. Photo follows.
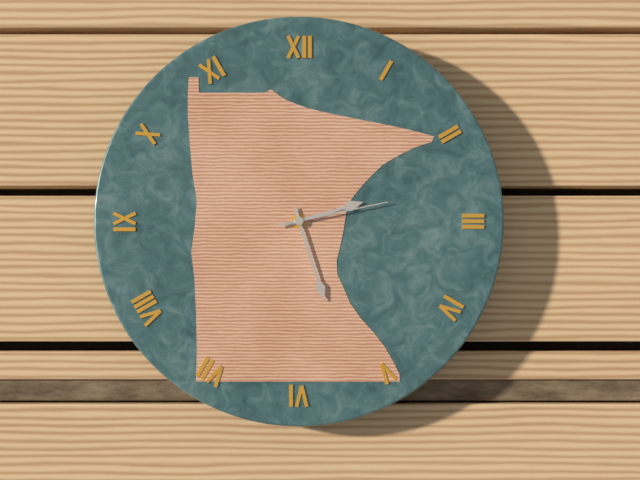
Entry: h=2 m=27 s=13
